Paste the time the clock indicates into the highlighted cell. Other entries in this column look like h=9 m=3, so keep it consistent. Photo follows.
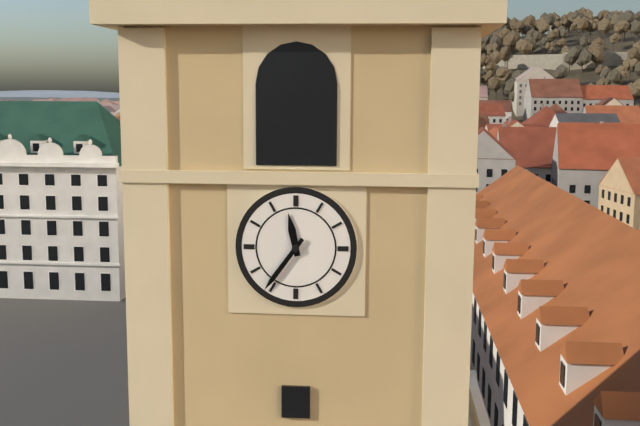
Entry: h=11 m=36
